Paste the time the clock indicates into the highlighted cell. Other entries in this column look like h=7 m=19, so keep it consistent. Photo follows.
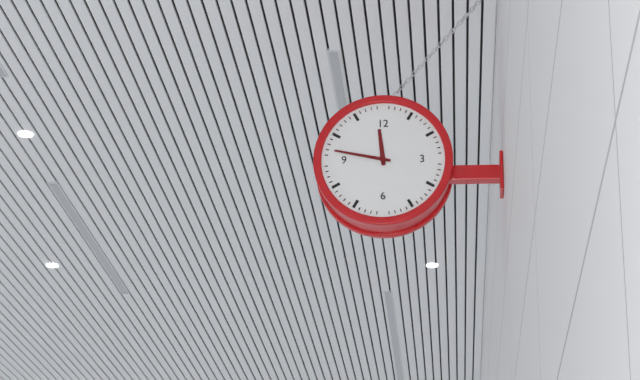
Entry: h=11 m=47
